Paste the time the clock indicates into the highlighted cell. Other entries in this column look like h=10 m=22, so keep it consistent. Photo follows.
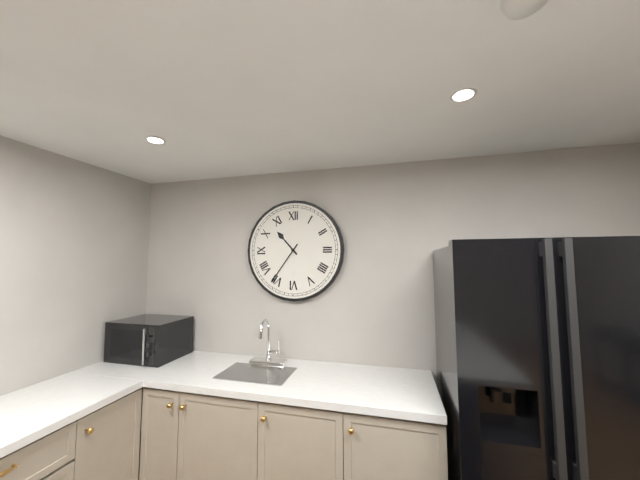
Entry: h=10 m=36
